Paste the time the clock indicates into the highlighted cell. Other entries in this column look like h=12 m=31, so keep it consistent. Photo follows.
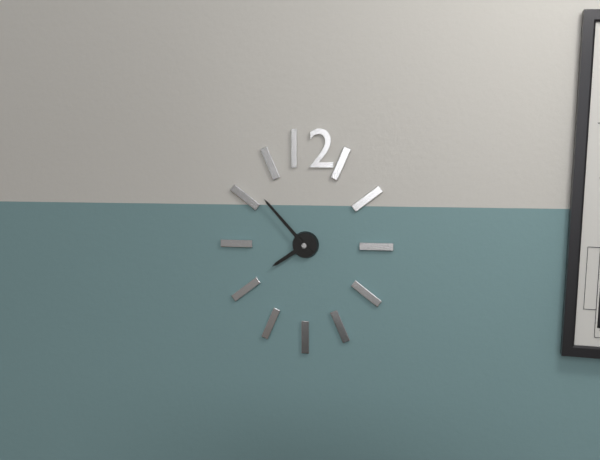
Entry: h=7 m=53
